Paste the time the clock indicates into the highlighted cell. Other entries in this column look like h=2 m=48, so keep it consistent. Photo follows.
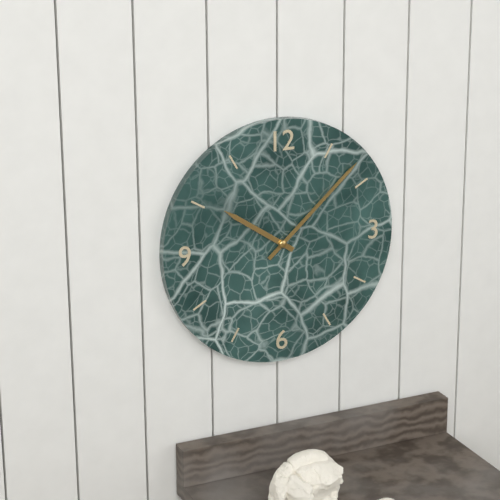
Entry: h=10 m=8
